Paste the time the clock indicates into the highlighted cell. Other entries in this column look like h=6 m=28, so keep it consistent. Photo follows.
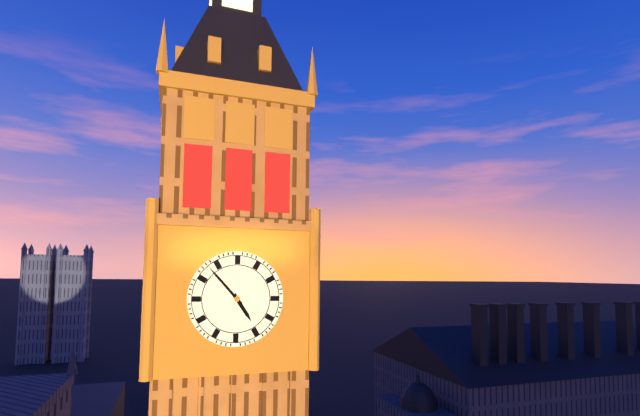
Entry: h=4 m=53
